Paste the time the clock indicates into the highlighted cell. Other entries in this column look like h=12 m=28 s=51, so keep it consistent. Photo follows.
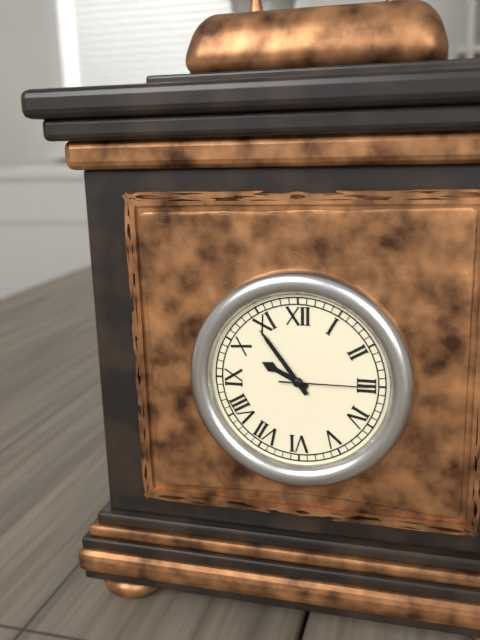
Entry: h=9 m=54 s=15
